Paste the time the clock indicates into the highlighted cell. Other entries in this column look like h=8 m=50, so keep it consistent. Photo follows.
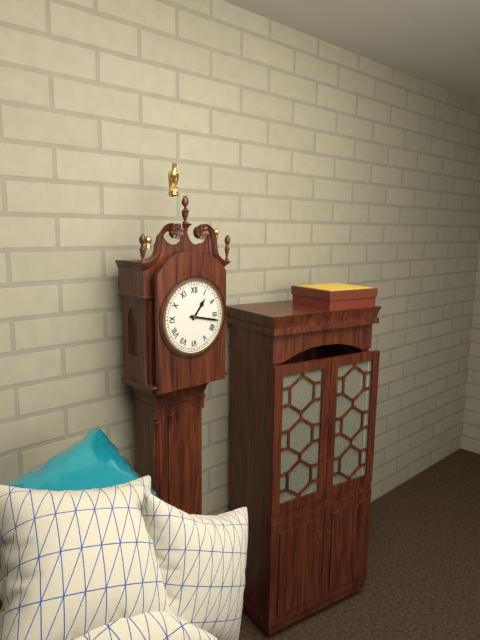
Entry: h=1 m=17
